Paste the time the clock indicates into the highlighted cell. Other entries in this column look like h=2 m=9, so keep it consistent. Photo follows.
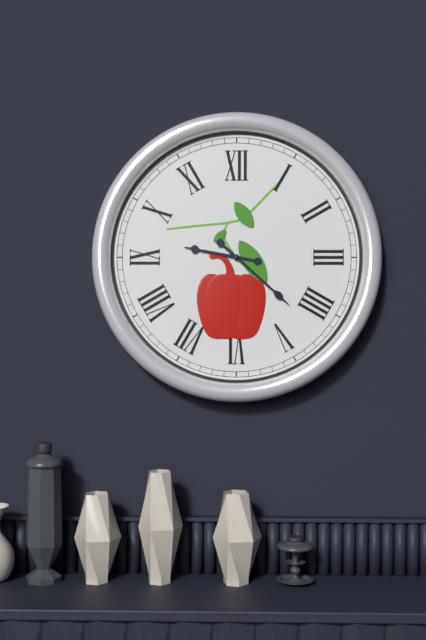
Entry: h=9 m=22
